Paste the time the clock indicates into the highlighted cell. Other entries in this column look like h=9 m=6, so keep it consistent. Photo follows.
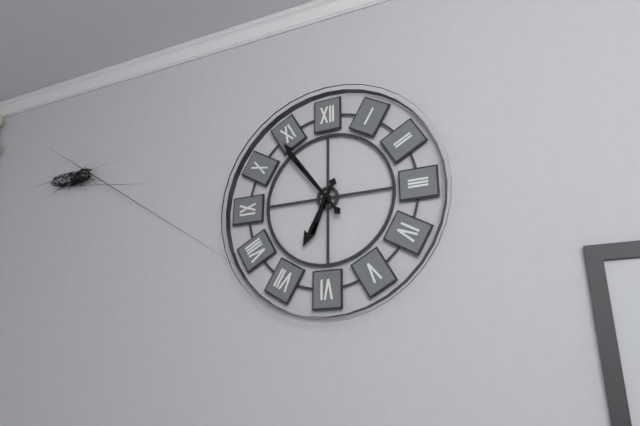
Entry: h=6 m=54
